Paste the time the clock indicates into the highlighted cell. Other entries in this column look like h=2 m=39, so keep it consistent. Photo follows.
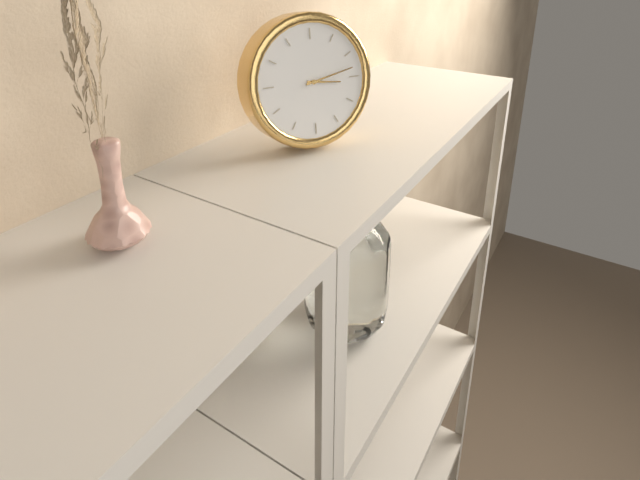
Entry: h=3 m=13
